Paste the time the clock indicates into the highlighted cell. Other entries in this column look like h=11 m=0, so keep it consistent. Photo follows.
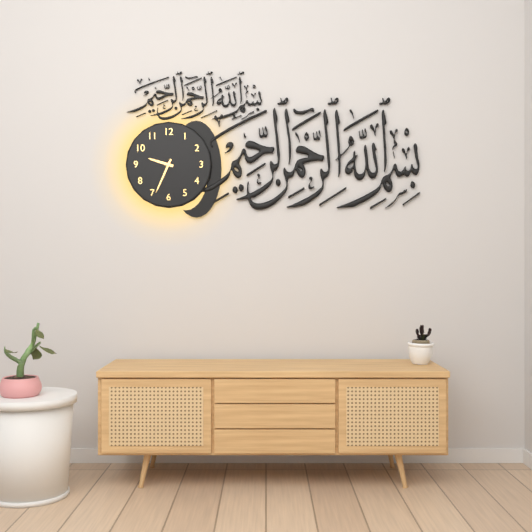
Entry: h=9 m=34
